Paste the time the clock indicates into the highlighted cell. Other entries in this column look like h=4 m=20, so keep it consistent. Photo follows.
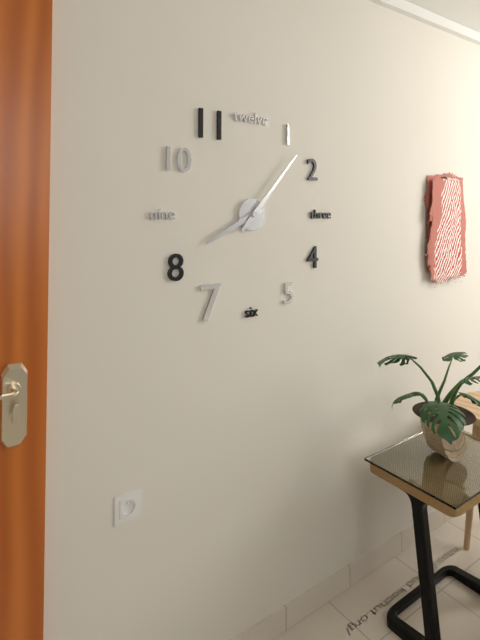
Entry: h=8 m=7
